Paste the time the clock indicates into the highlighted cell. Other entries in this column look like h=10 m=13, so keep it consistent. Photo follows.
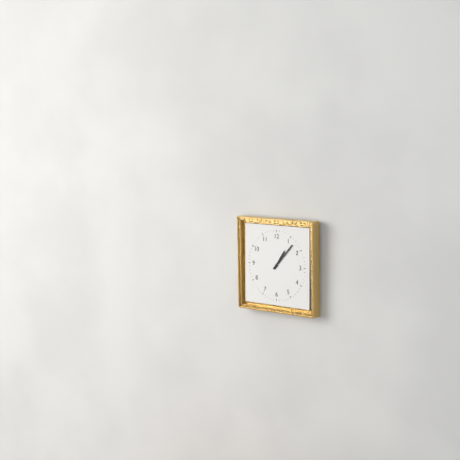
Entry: h=1 m=7
